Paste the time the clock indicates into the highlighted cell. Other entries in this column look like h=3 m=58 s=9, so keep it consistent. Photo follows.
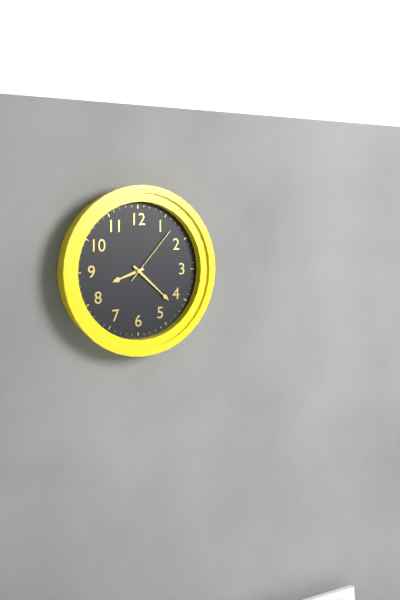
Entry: h=8 m=22 s=7
